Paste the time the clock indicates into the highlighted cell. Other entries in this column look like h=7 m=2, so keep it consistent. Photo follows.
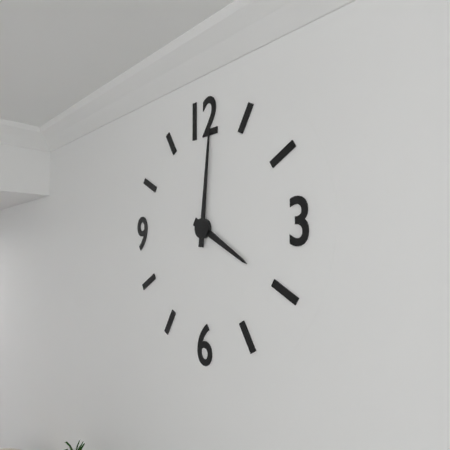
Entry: h=4 m=1
